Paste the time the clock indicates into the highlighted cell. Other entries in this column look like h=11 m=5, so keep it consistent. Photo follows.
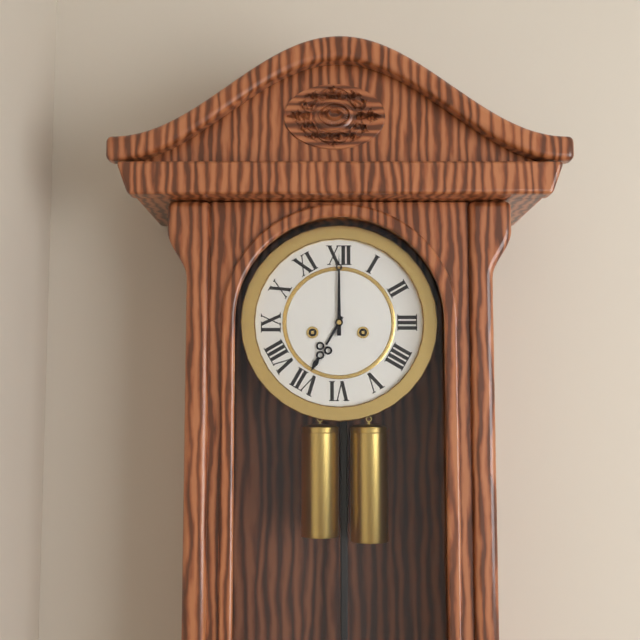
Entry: h=7 m=0
